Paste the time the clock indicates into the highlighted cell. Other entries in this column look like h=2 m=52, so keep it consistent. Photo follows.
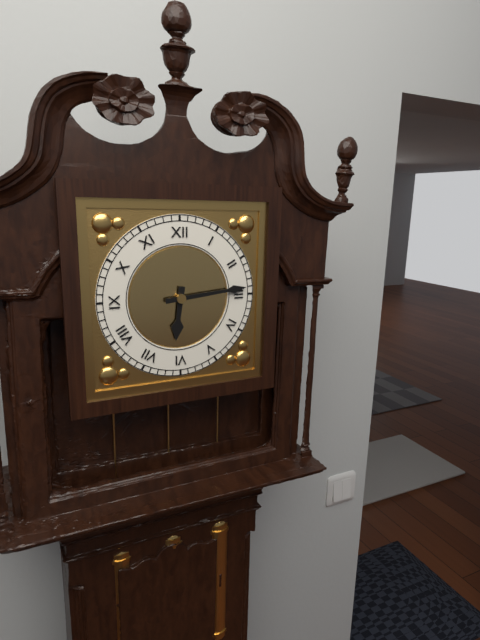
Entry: h=6 m=14
